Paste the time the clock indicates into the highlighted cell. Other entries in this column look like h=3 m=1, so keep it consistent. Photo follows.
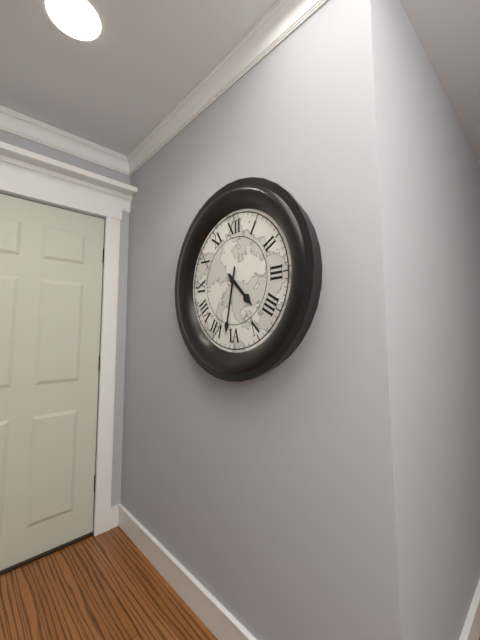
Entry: h=4 m=32
